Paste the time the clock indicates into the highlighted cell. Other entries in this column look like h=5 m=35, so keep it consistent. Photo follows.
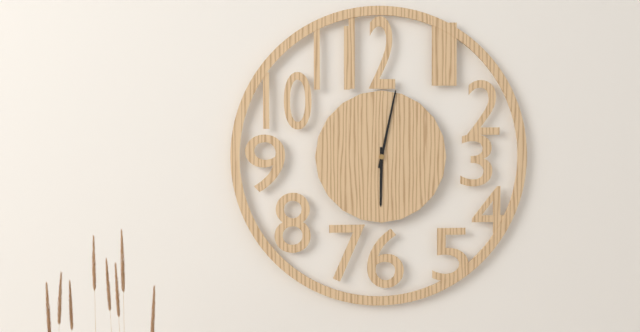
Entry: h=6 m=2
